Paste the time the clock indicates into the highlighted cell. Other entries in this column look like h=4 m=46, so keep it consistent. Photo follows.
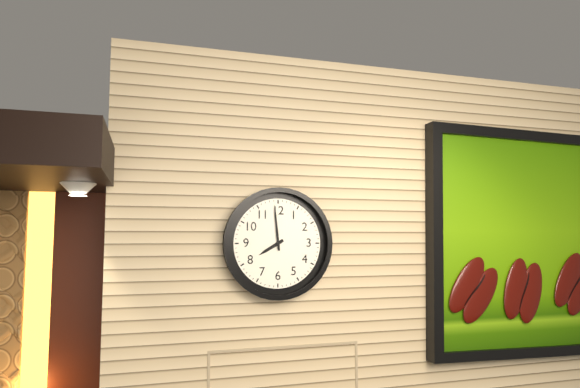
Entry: h=7 m=59
